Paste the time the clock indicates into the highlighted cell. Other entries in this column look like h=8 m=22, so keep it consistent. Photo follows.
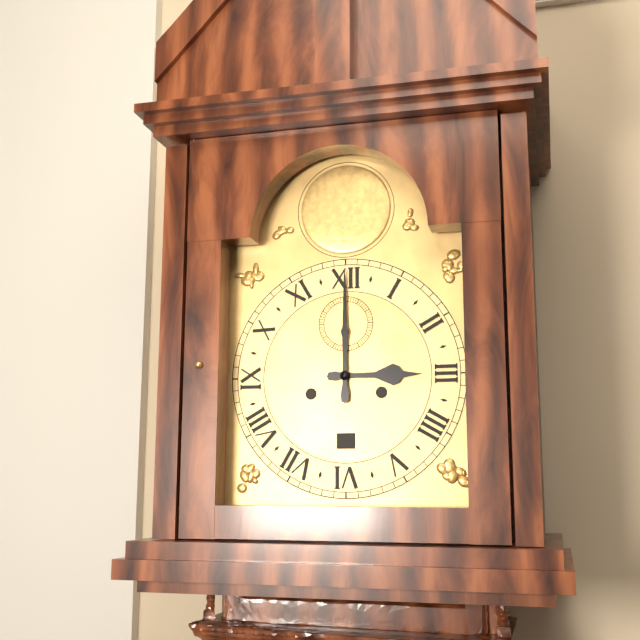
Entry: h=3 m=0
